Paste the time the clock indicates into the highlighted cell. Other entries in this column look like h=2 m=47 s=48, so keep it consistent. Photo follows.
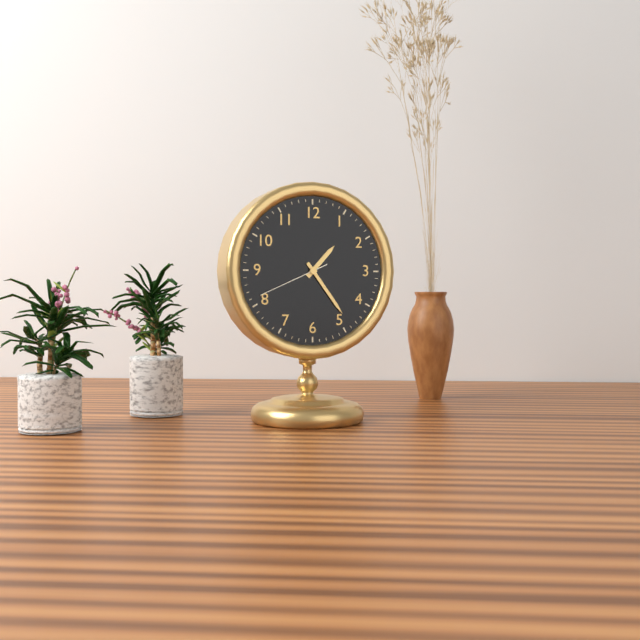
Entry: h=1 m=24 s=41
